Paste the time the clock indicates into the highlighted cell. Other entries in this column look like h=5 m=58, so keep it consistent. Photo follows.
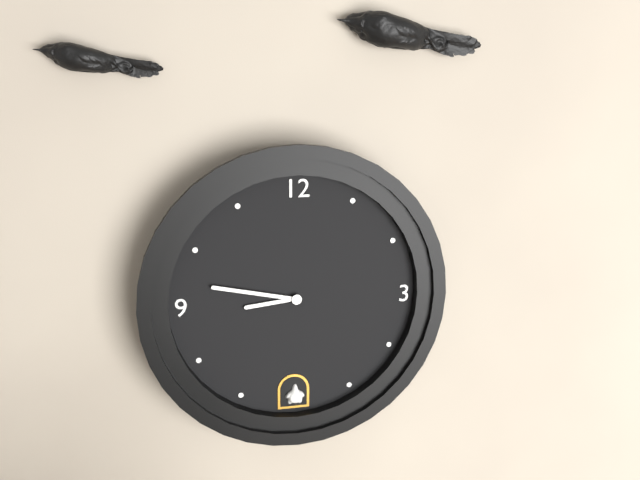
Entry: h=8 m=47
